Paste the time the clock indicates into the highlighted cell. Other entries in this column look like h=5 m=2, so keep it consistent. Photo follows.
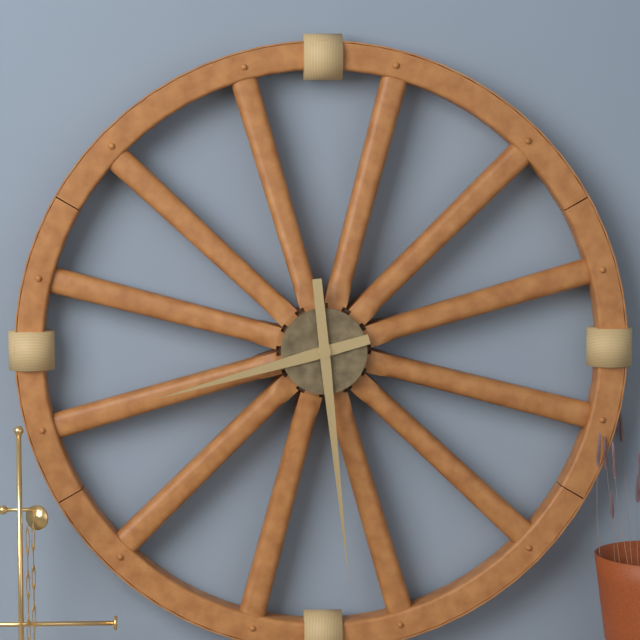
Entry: h=8 m=29
